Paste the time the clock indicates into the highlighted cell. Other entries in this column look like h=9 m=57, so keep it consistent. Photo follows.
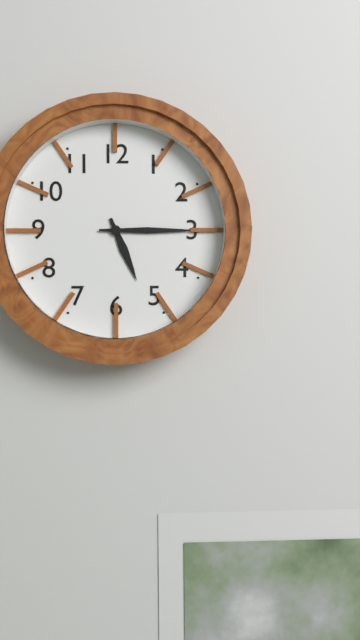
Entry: h=5 m=15
